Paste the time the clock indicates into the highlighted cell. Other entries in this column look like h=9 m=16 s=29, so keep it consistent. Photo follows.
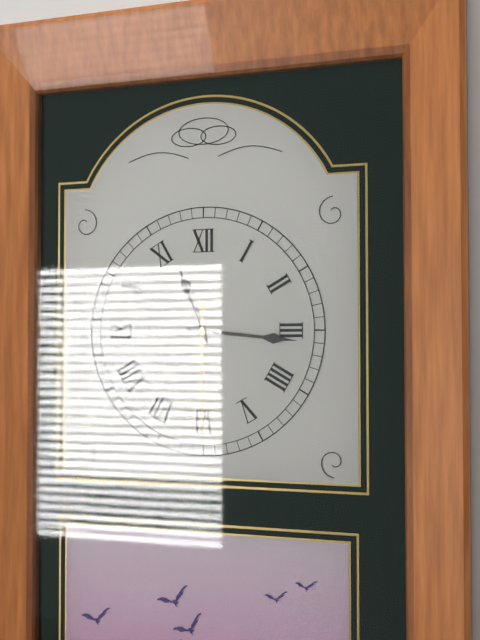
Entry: h=11 m=16 s=30
